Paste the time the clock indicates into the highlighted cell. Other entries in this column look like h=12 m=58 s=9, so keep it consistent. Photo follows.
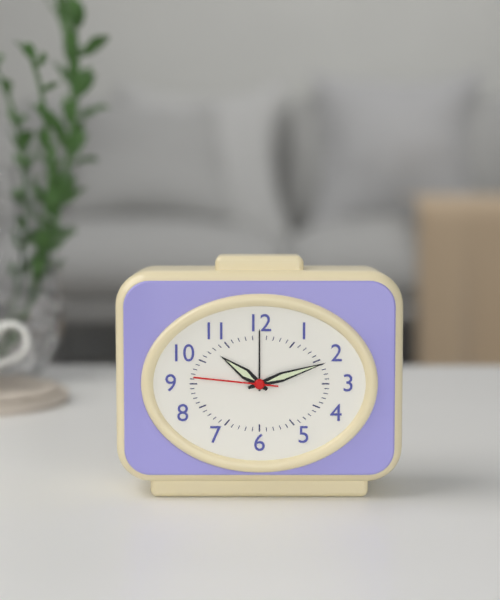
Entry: h=10 m=12 s=46
